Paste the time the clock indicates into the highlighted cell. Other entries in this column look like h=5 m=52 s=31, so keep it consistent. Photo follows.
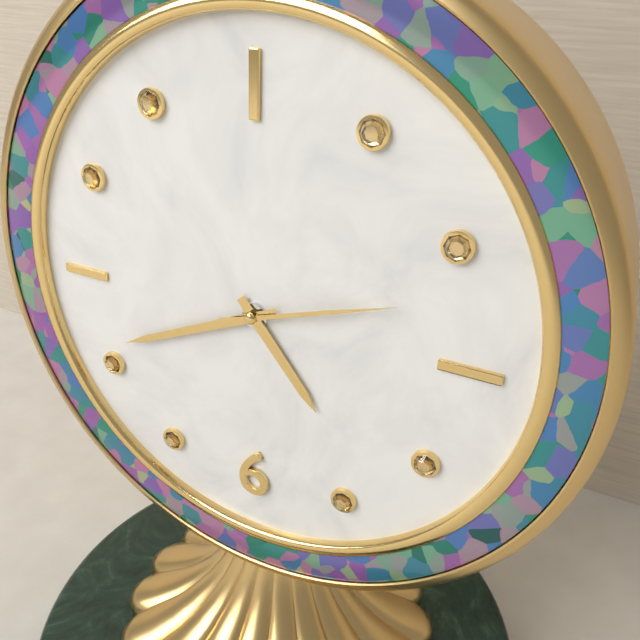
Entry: h=4 m=41 s=12
